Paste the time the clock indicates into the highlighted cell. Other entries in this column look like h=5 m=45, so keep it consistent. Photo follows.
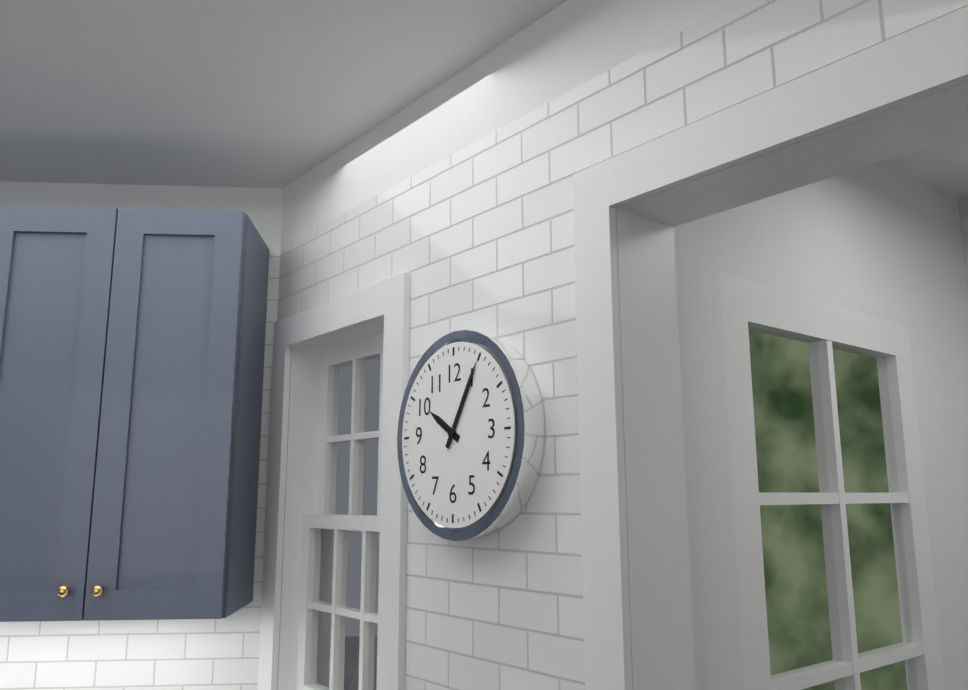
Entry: h=10 m=5
